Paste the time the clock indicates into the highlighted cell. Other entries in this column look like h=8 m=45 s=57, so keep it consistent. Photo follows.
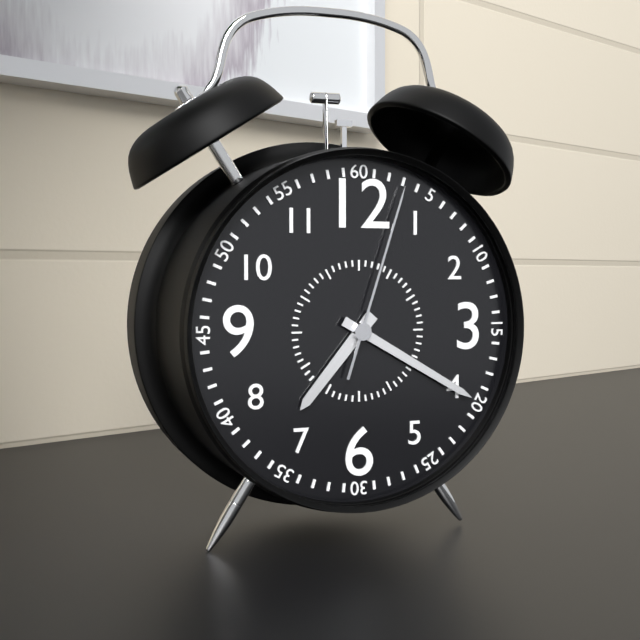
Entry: h=7 m=20 s=3
